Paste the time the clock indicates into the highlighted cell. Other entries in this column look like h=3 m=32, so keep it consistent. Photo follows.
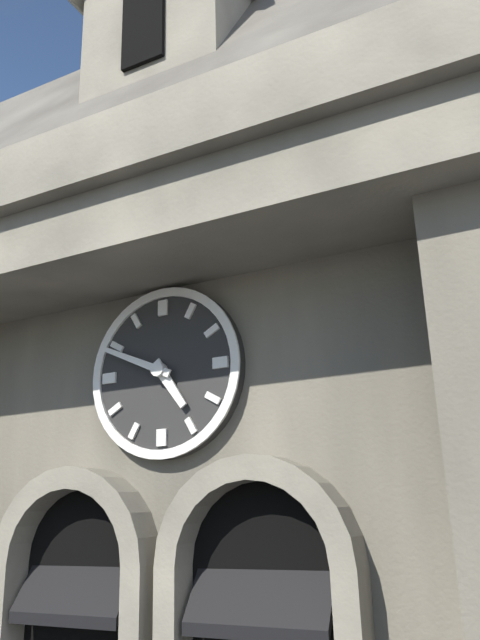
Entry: h=4 m=49
